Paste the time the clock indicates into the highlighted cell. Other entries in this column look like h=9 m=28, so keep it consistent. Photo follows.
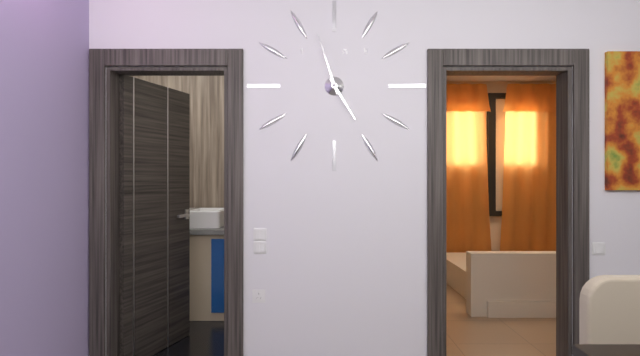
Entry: h=4 m=57
